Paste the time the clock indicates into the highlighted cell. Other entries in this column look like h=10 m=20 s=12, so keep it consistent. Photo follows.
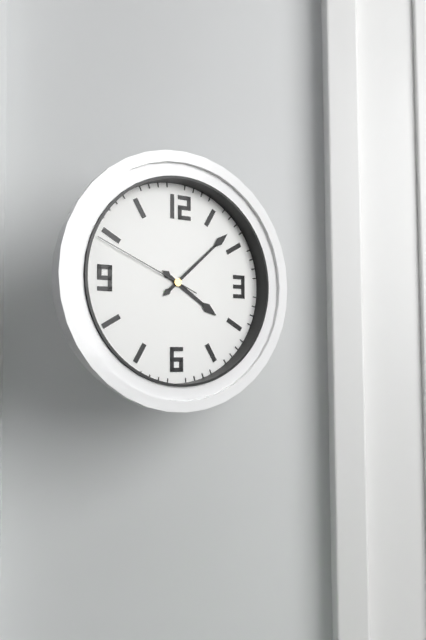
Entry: h=4 m=8 s=49
